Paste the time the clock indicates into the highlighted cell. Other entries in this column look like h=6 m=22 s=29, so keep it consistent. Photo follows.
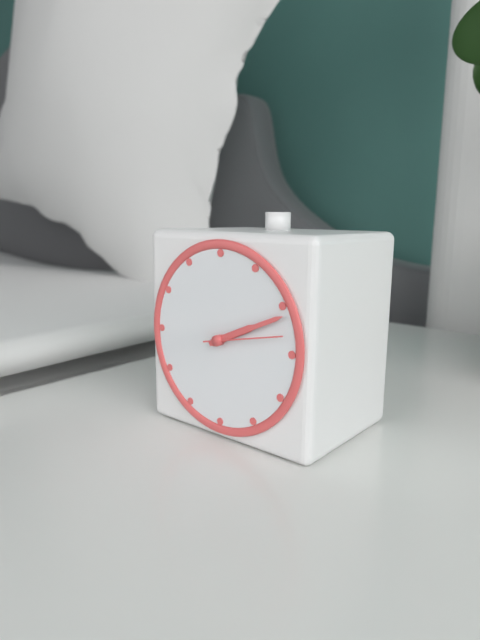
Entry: h=2 m=11 s=13
